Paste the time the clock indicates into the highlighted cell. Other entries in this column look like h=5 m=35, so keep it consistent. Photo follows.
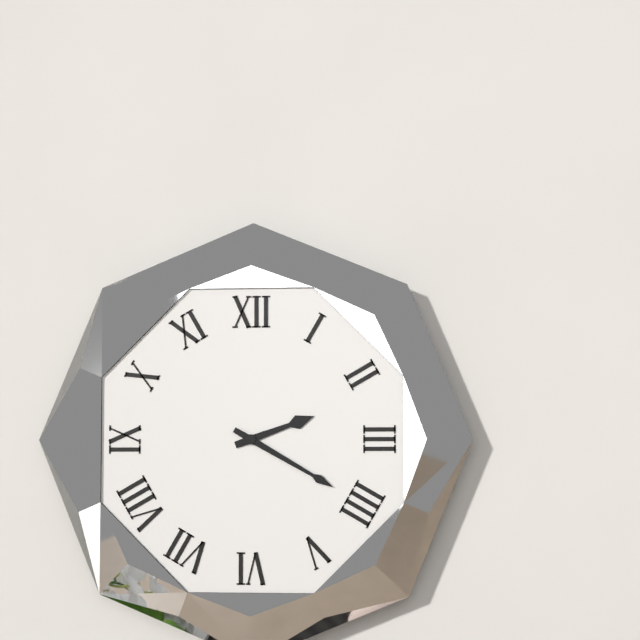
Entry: h=2 m=20
